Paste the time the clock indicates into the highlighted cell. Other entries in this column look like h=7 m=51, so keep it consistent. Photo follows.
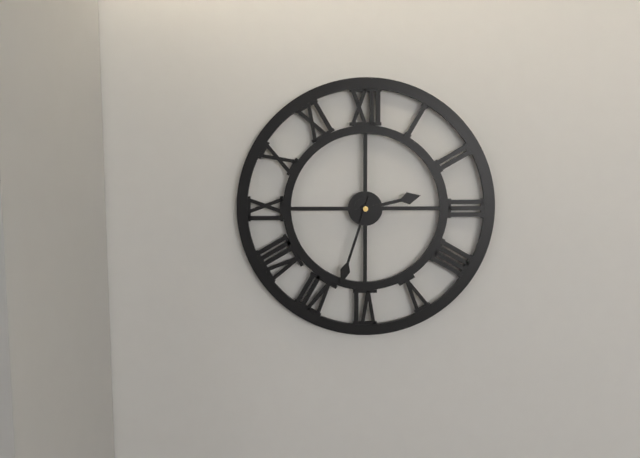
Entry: h=2 m=33
